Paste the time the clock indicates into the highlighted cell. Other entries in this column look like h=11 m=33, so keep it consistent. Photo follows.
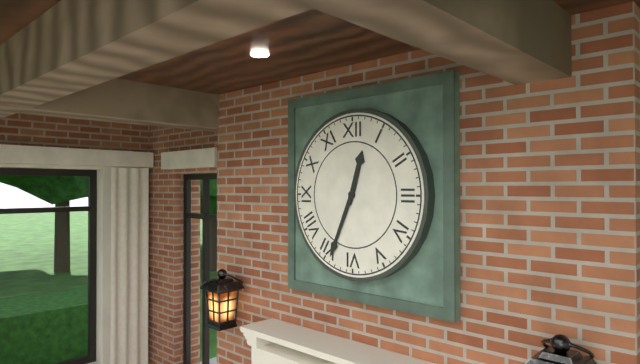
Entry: h=12 m=34
